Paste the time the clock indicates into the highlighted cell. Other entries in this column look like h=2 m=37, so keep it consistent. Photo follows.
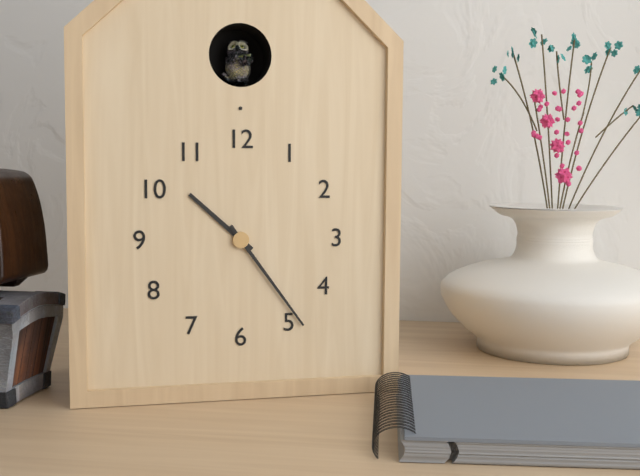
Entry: h=10 m=24
